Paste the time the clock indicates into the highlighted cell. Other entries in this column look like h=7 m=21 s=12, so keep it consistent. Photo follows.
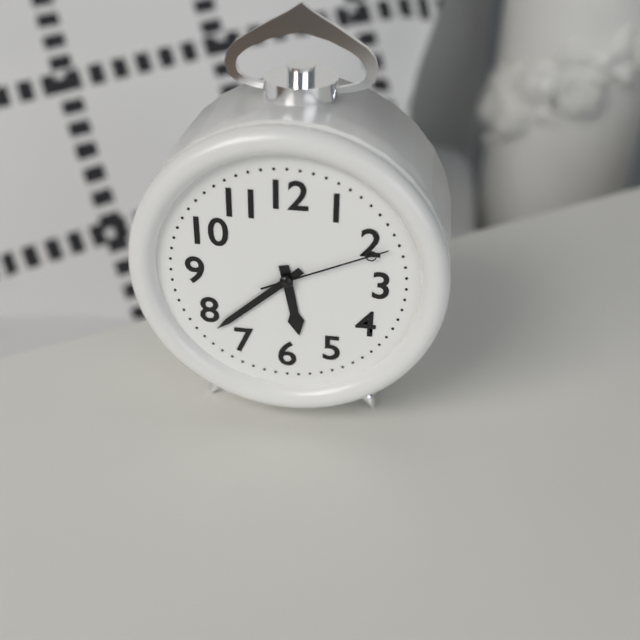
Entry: h=5 m=38 s=11
